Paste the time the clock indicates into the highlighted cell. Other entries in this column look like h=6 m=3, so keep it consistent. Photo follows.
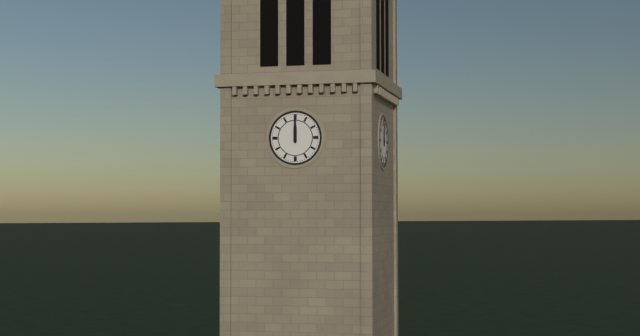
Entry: h=12 m=0
